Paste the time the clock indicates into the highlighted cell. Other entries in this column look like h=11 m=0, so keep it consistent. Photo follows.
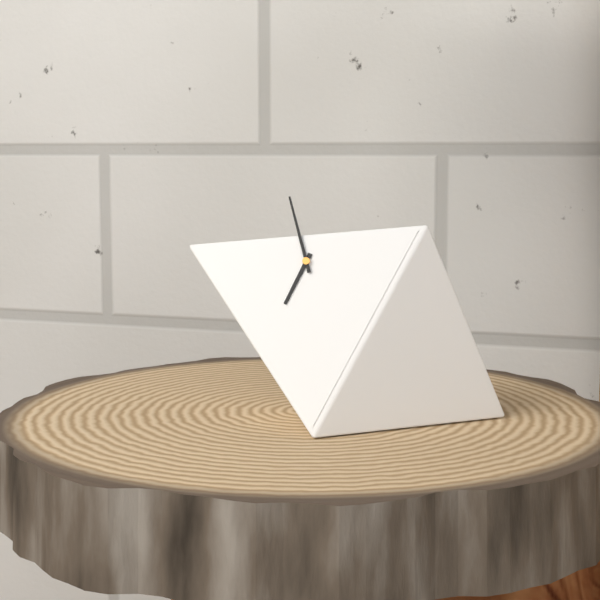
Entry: h=6 m=58
